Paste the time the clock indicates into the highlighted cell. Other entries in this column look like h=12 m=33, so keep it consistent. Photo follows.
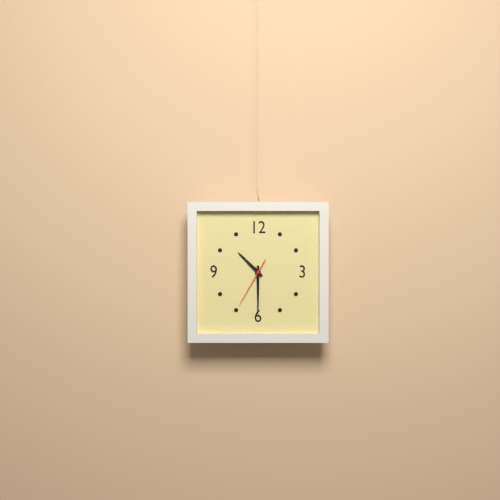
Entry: h=10 m=30
